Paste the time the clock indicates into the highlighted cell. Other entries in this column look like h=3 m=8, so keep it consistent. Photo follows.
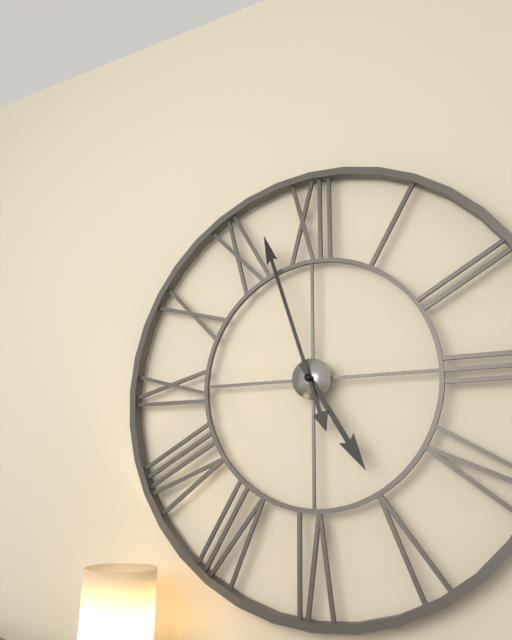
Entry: h=4 m=57
